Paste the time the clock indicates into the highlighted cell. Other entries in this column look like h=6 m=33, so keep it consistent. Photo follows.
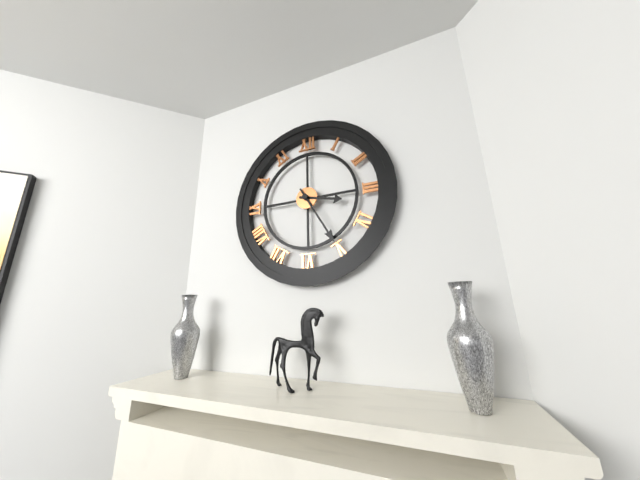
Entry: h=3 m=25
